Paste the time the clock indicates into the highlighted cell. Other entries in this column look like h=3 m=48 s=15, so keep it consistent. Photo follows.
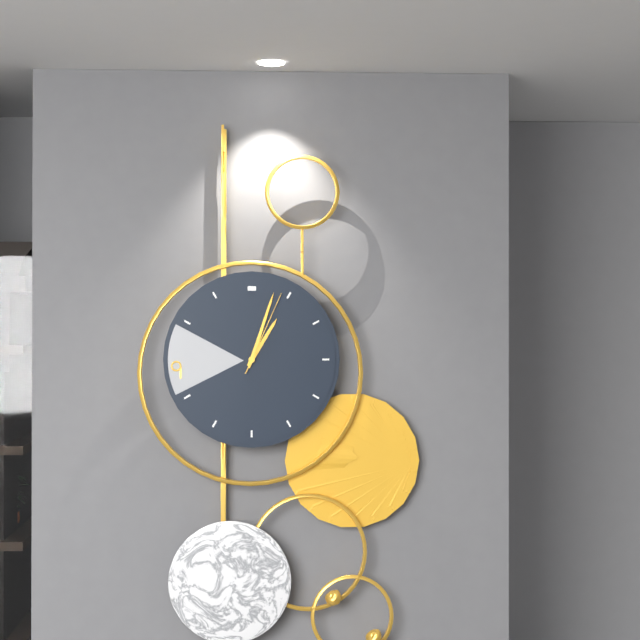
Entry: h=1 m=3 s=4
